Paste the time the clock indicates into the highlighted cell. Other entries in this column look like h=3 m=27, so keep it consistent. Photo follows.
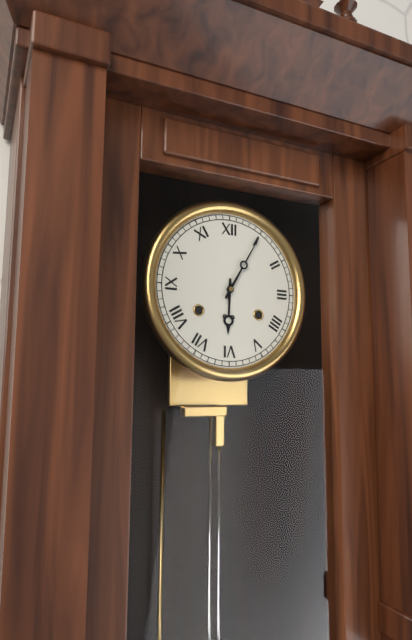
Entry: h=6 m=5
